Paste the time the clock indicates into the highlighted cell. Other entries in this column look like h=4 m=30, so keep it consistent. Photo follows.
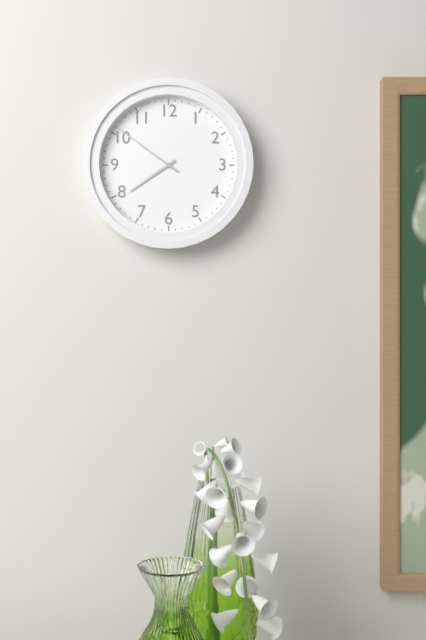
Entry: h=7 m=51
